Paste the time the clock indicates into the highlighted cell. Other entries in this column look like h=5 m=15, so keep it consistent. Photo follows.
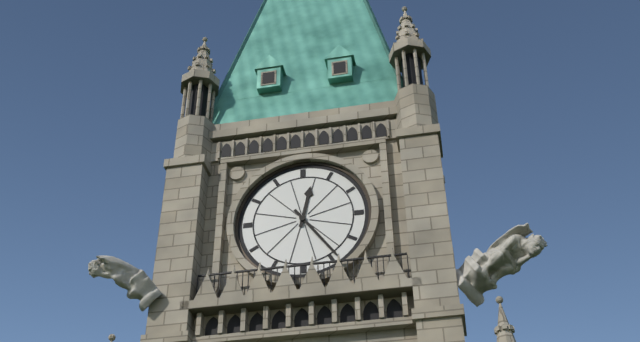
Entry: h=12 m=24
